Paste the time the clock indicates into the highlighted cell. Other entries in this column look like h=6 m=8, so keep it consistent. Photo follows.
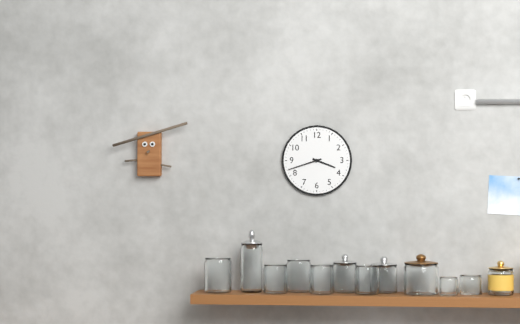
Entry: h=3 m=42
